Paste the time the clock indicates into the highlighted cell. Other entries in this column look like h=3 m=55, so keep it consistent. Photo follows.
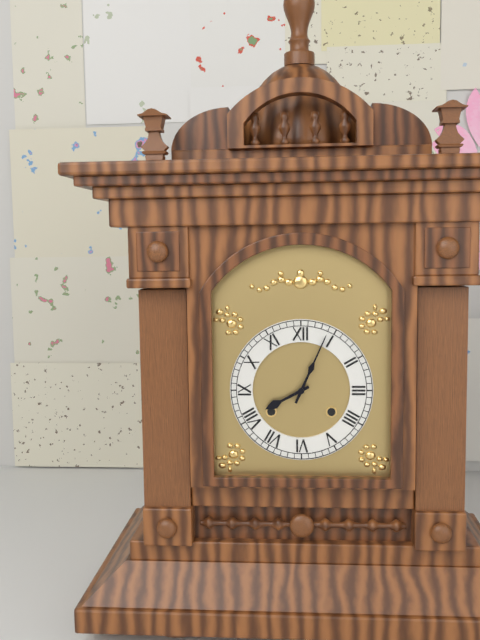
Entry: h=8 m=4
